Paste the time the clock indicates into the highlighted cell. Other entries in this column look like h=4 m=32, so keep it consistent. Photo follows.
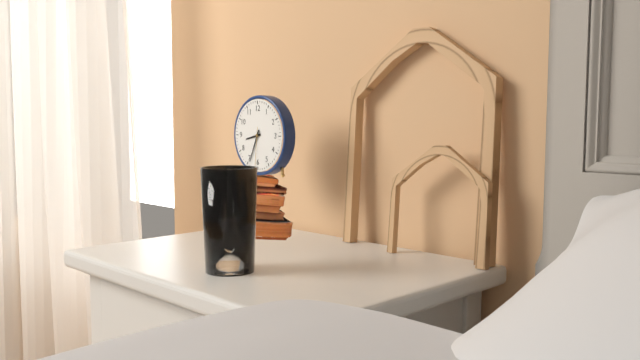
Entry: h=8 m=34
